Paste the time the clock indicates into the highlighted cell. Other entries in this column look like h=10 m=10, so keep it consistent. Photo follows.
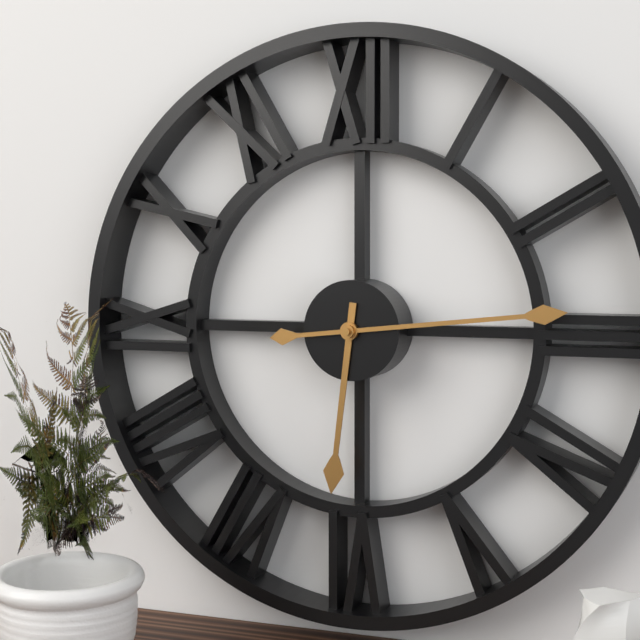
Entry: h=6 m=14
